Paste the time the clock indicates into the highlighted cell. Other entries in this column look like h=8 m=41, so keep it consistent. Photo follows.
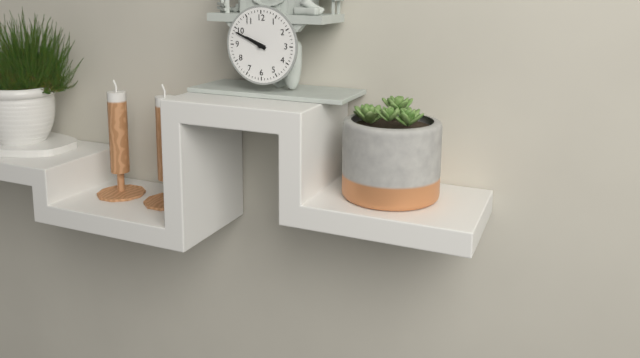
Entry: h=9 m=49
